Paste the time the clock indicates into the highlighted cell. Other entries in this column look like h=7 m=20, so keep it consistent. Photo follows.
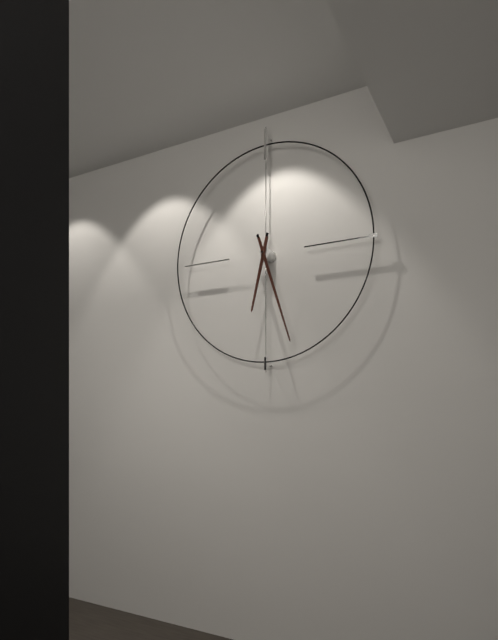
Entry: h=6 m=27
